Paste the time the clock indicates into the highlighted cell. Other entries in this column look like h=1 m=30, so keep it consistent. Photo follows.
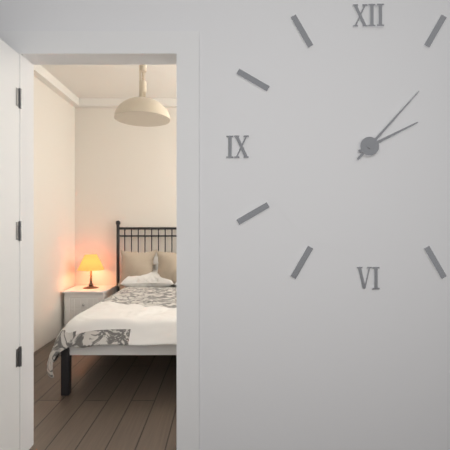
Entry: h=2 m=7
